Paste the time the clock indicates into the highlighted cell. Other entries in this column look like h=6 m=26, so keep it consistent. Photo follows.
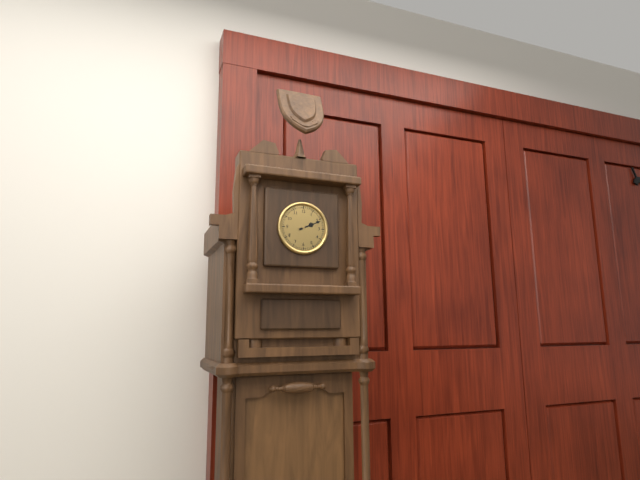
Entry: h=2 m=11
